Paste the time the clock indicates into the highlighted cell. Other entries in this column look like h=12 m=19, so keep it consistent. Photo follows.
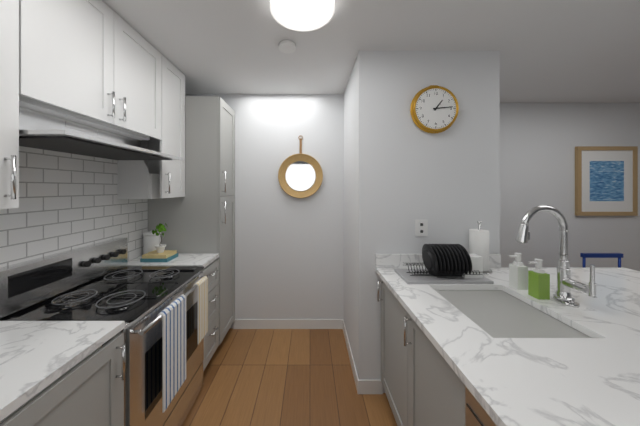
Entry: h=1 m=14
